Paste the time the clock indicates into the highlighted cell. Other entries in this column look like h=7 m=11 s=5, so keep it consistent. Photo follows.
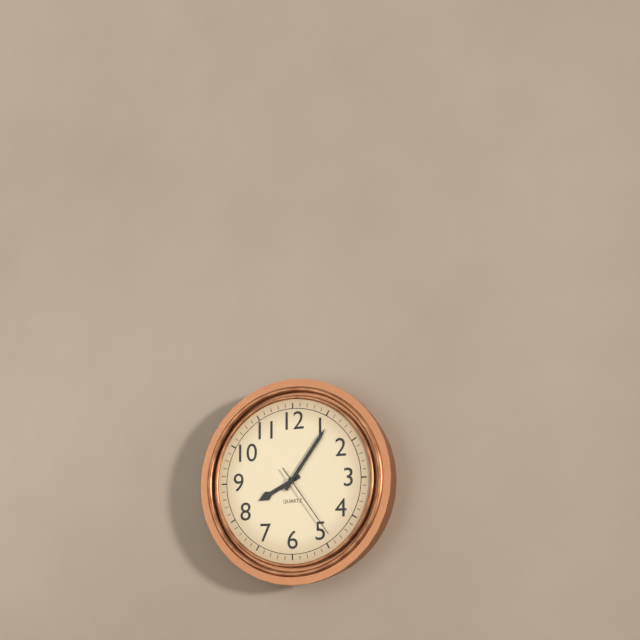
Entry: h=8 m=6 s=24
